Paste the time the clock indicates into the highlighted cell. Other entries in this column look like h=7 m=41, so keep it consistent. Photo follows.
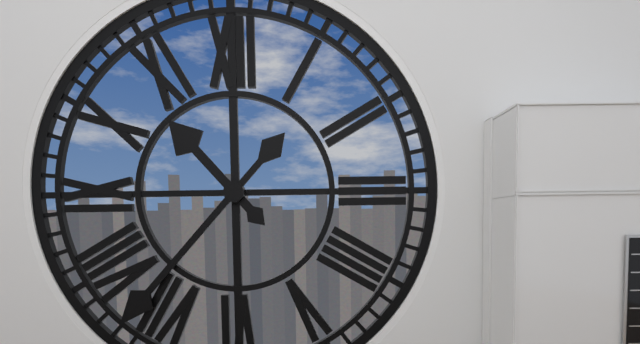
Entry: h=10 m=37
